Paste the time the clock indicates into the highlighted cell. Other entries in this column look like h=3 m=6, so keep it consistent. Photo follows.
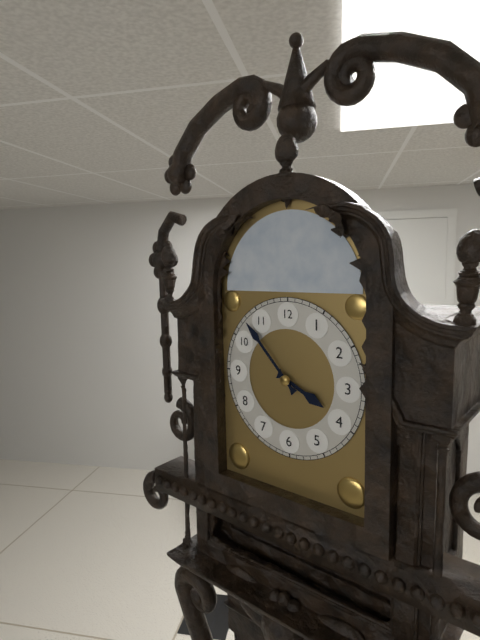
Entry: h=3 m=53
